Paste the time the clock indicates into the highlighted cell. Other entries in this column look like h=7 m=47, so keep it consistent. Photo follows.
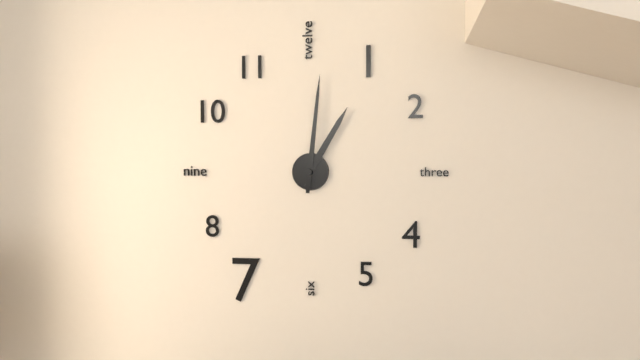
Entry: h=1 m=1
